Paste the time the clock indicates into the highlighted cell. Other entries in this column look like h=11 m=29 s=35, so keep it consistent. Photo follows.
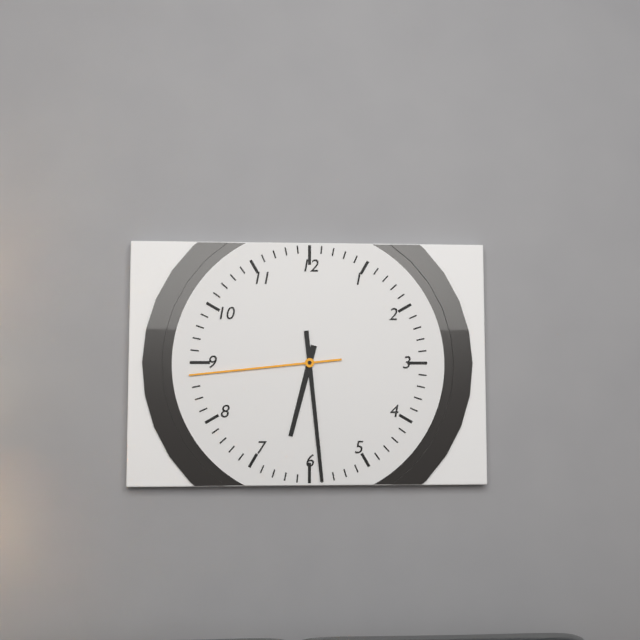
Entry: h=6 m=29 s=44
